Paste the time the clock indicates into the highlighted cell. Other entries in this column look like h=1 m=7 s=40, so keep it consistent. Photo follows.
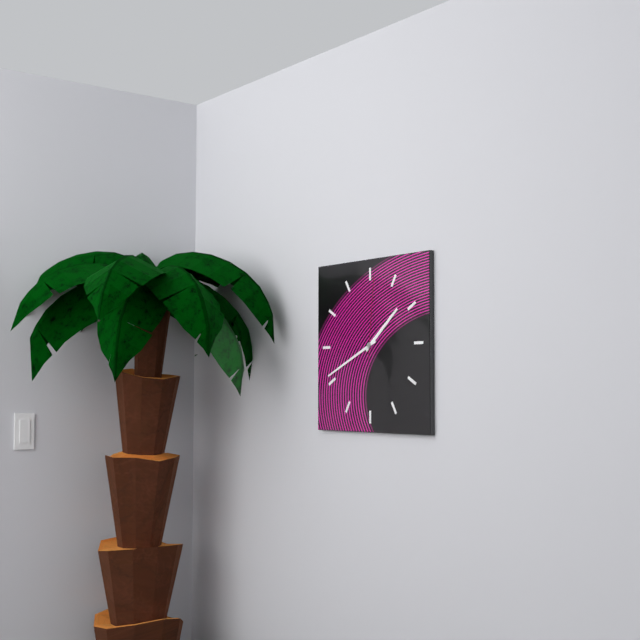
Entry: h=1 m=41 s=1
